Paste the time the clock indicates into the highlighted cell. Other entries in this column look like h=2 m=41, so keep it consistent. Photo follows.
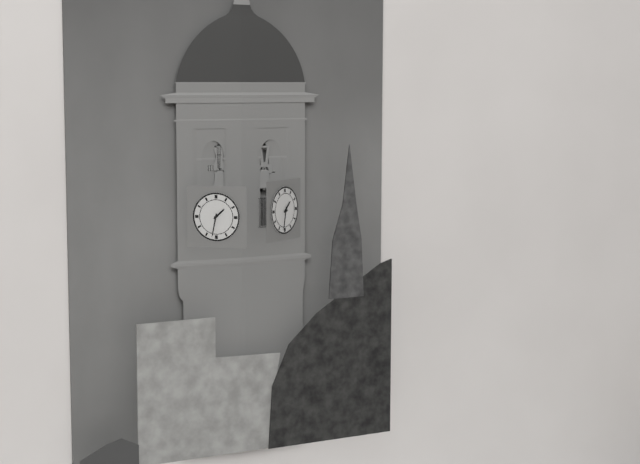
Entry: h=1 m=32
